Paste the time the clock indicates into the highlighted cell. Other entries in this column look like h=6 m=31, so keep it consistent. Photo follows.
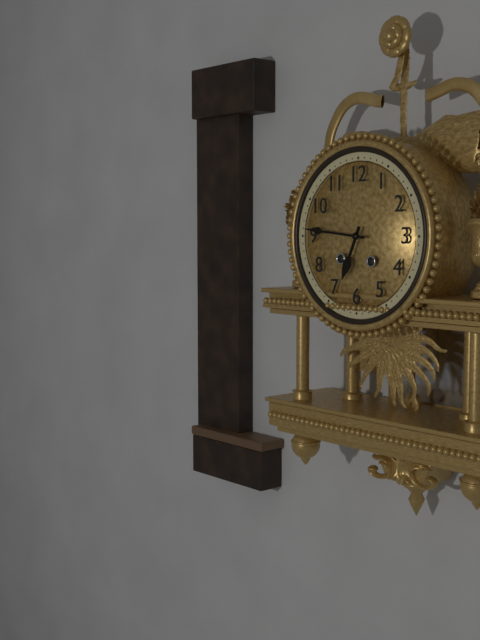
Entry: h=6 m=46
